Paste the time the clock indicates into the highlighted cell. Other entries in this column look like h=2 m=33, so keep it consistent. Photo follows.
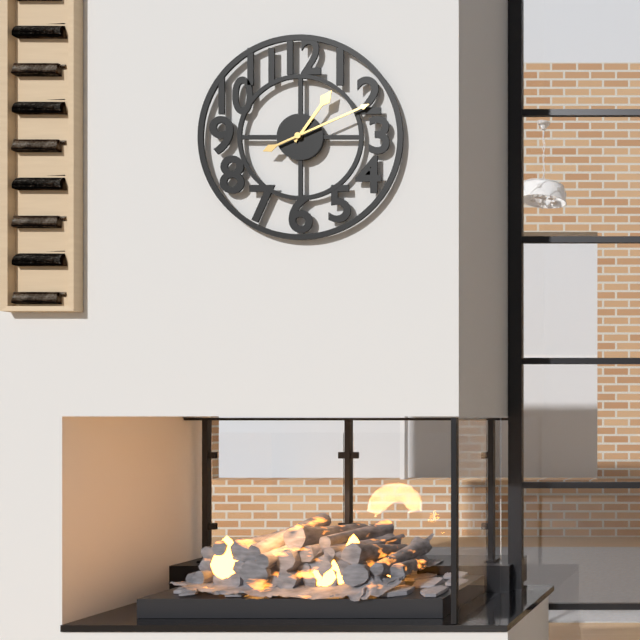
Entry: h=1 m=11
